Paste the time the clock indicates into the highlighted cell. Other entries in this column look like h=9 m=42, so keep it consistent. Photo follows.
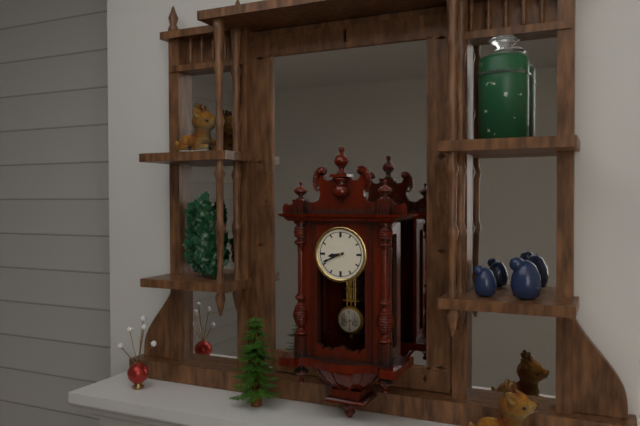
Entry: h=8 m=41
